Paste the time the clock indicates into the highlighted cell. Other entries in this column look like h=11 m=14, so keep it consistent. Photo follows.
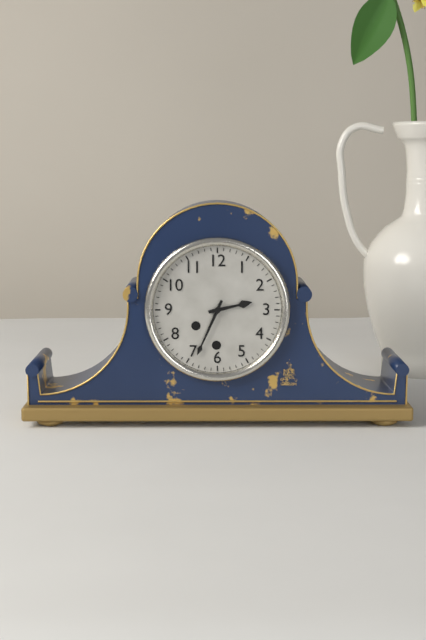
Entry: h=2 m=34
